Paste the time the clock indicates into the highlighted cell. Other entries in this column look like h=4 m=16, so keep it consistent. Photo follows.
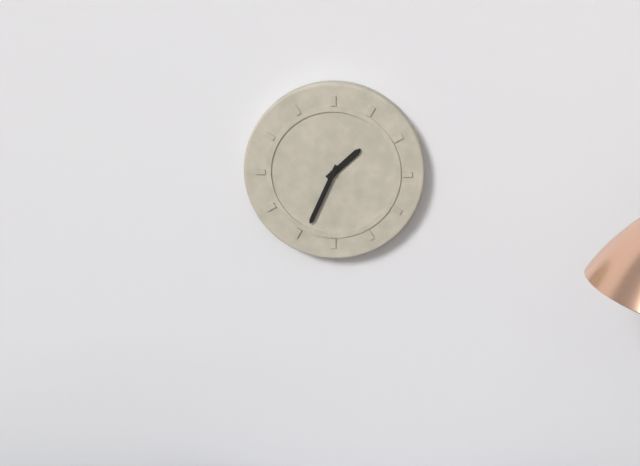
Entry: h=1 m=34
